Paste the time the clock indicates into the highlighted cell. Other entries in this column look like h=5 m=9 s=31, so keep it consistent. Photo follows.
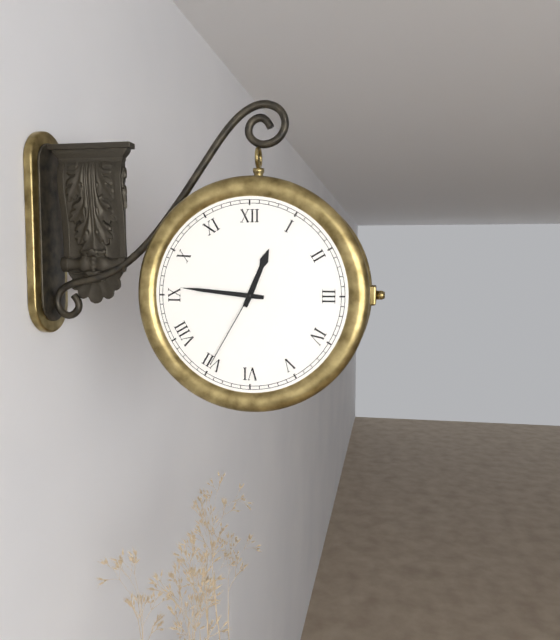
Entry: h=12 m=46 s=35
